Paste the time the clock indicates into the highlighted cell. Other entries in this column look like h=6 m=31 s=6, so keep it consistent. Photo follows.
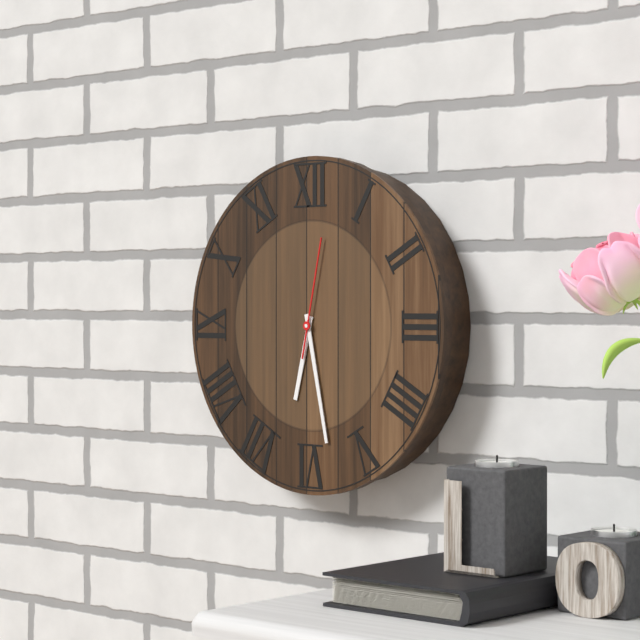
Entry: h=6 m=28 s=2
